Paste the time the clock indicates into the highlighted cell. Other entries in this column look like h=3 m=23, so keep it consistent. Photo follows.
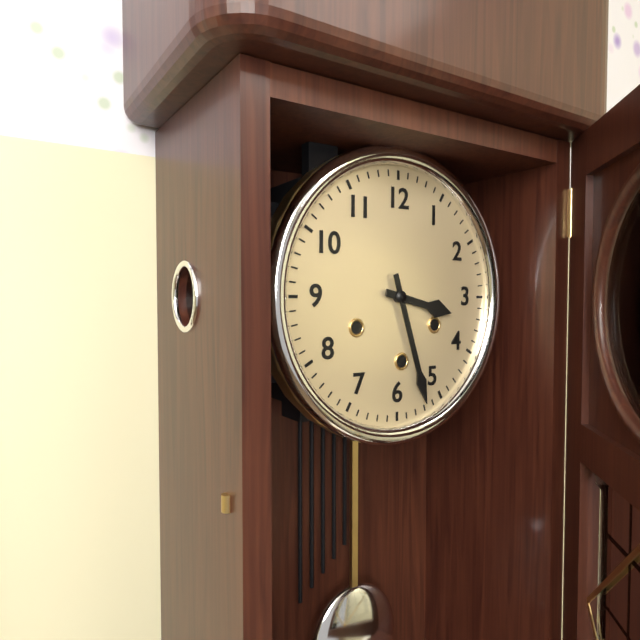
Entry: h=3 m=27
